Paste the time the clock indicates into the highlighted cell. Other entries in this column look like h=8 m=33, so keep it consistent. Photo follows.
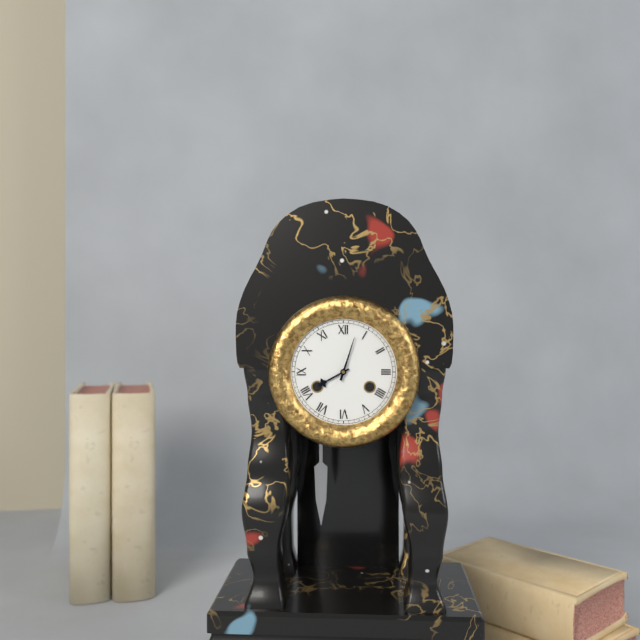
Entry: h=8 m=3
